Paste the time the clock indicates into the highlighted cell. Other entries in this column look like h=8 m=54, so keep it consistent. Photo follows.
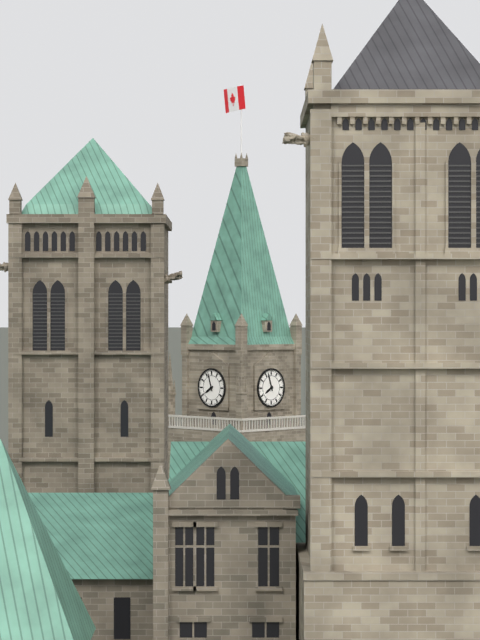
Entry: h=7 m=57
